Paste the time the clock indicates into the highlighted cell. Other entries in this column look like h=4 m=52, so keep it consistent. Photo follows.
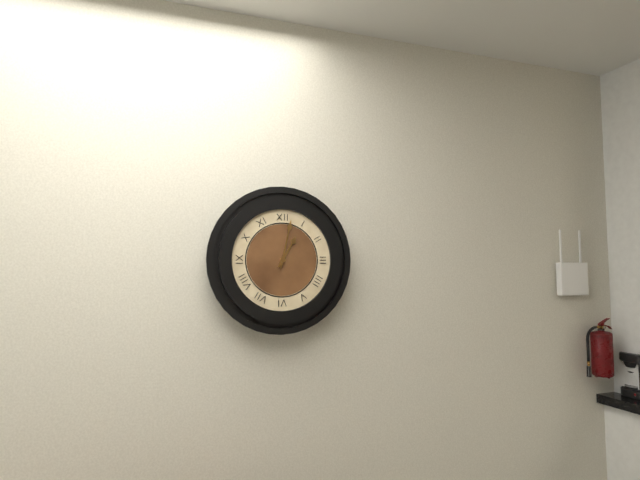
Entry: h=1 m=2
